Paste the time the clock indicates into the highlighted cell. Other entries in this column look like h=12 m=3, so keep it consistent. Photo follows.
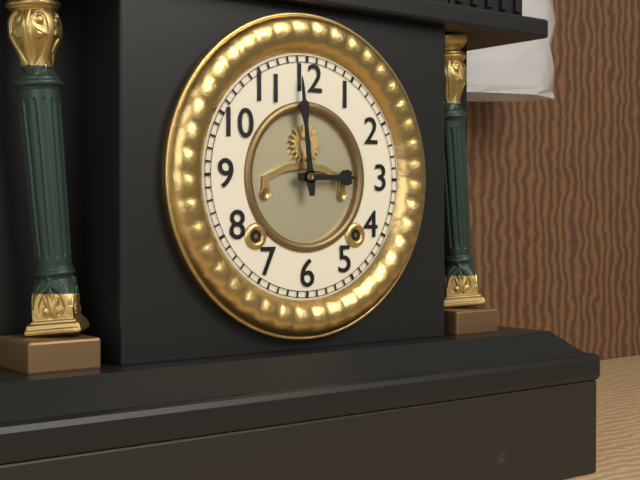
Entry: h=2 m=59
